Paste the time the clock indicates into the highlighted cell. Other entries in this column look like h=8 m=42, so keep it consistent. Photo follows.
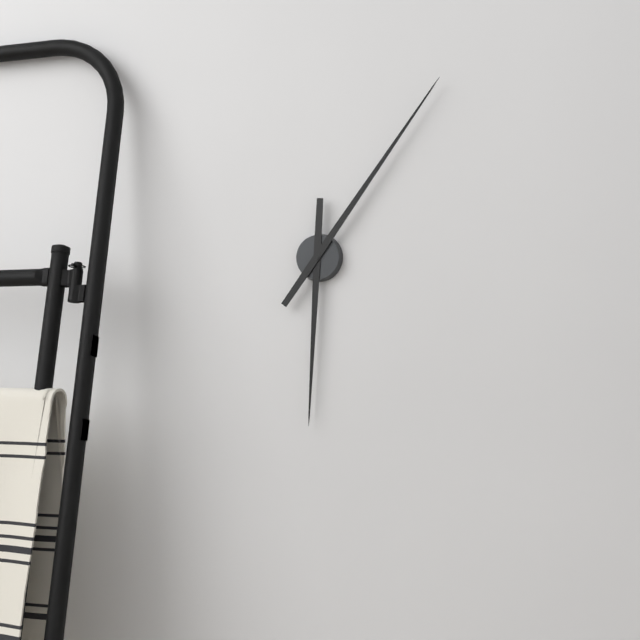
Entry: h=6 m=6
